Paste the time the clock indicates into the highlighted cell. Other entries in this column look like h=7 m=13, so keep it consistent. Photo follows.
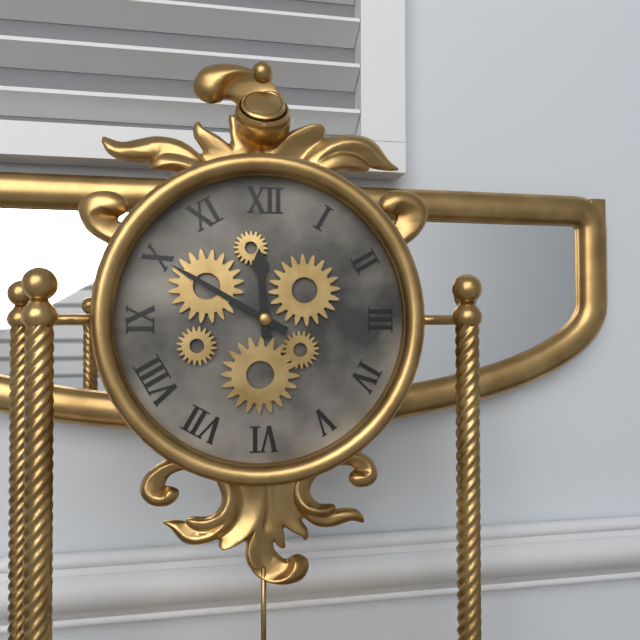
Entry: h=11 m=50
